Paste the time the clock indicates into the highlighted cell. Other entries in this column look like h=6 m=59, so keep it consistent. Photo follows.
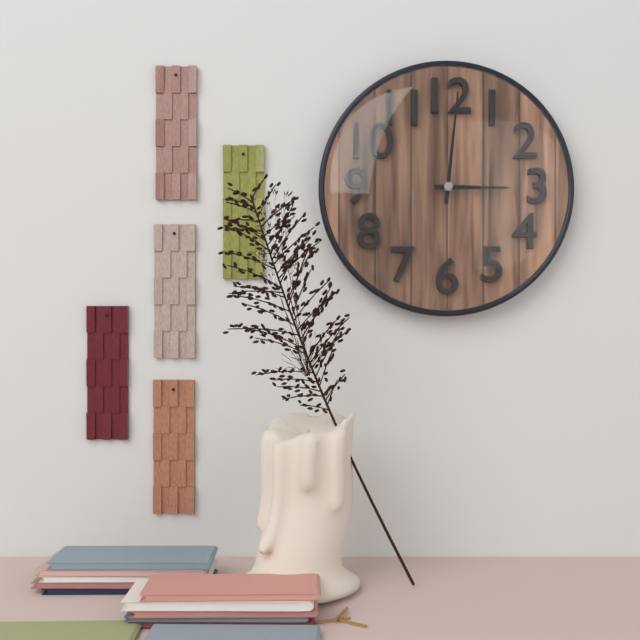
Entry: h=3 m=1
